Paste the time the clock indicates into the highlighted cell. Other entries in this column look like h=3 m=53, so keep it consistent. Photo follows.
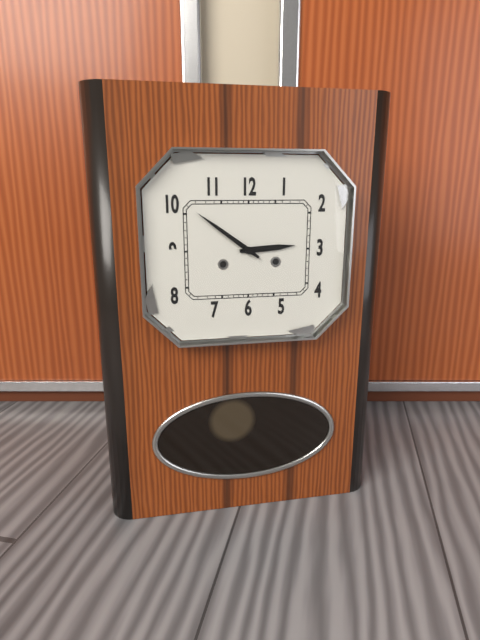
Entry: h=2 m=51
